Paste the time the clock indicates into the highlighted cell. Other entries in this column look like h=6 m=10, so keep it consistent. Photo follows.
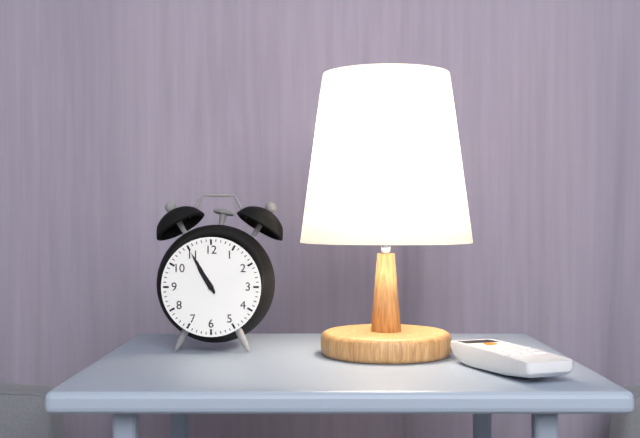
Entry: h=10 m=55
